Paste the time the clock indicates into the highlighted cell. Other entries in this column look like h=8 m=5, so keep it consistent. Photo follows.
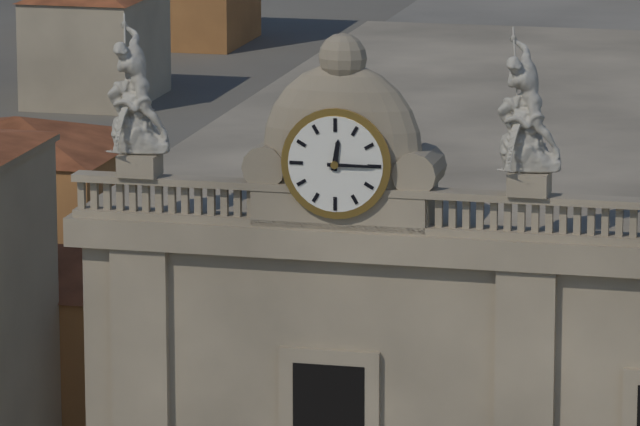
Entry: h=12 m=15
